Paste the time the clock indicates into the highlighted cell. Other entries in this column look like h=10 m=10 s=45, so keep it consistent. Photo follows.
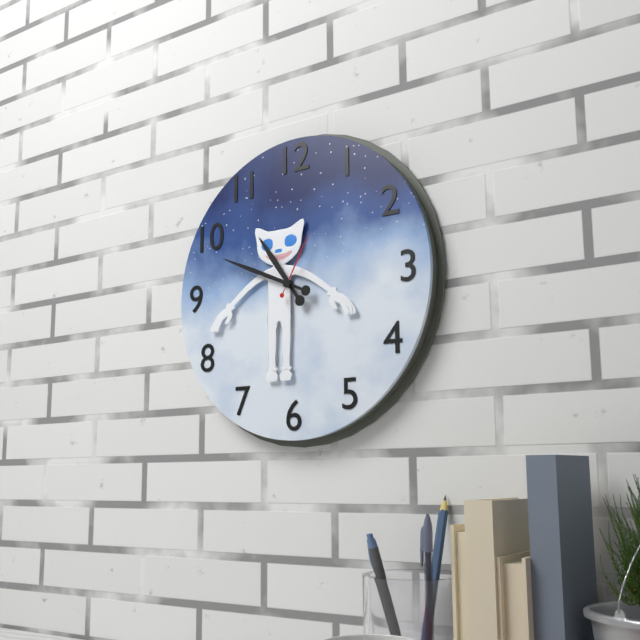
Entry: h=10 m=49 s=5
